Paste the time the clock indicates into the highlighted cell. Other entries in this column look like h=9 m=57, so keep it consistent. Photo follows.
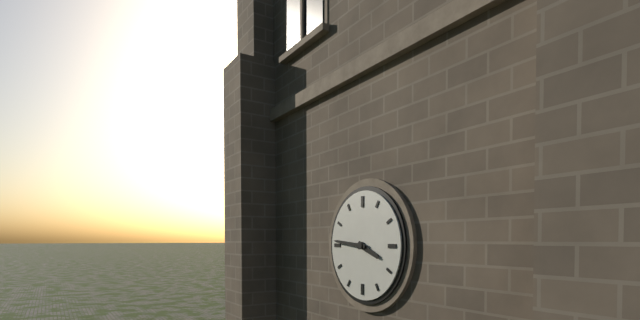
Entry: h=3 m=46
